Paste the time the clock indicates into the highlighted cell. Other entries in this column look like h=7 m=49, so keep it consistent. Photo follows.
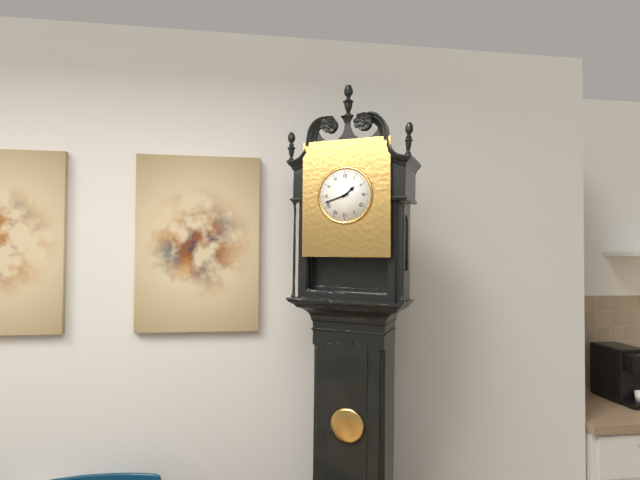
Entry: h=1 m=42
